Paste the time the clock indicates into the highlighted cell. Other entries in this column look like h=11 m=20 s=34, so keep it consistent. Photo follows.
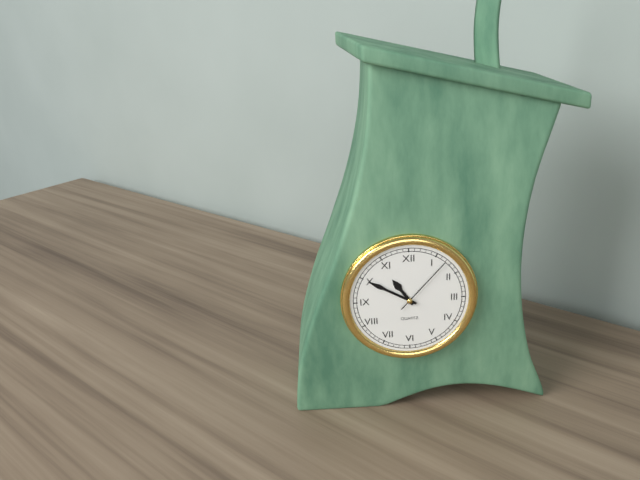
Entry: h=10 m=50 s=7
